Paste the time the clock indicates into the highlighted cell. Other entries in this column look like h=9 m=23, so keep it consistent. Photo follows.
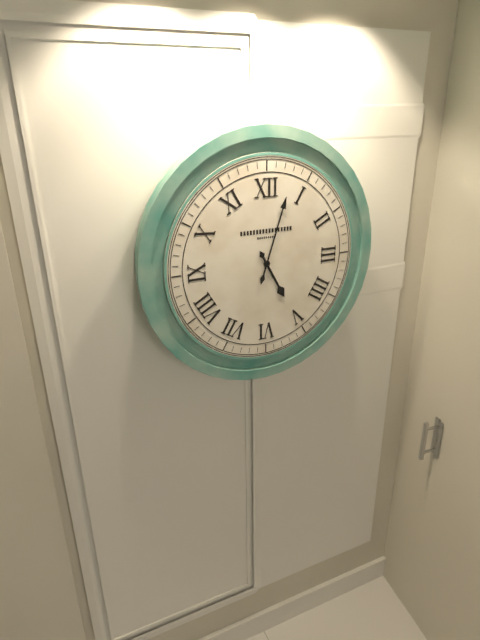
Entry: h=5 m=3
